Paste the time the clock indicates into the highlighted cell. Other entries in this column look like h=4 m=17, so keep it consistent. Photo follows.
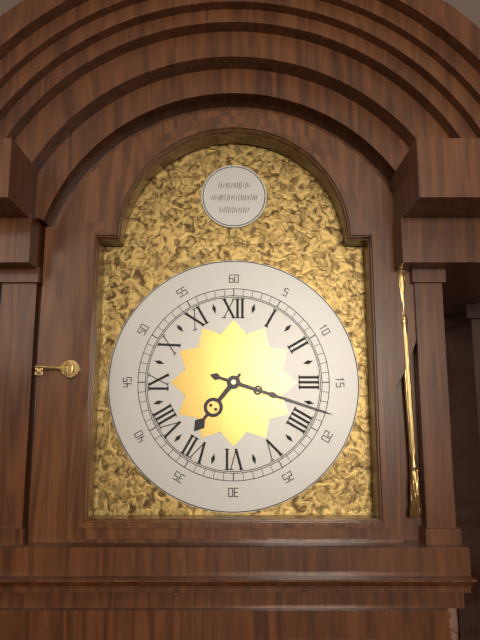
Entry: h=7 m=18
